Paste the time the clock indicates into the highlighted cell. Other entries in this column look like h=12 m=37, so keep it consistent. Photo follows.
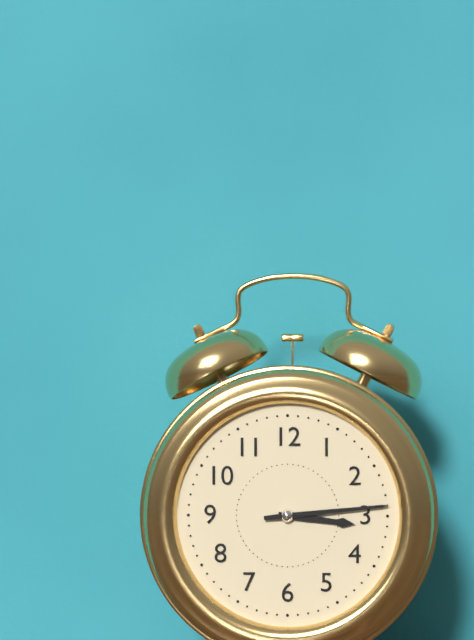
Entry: h=3 m=14
